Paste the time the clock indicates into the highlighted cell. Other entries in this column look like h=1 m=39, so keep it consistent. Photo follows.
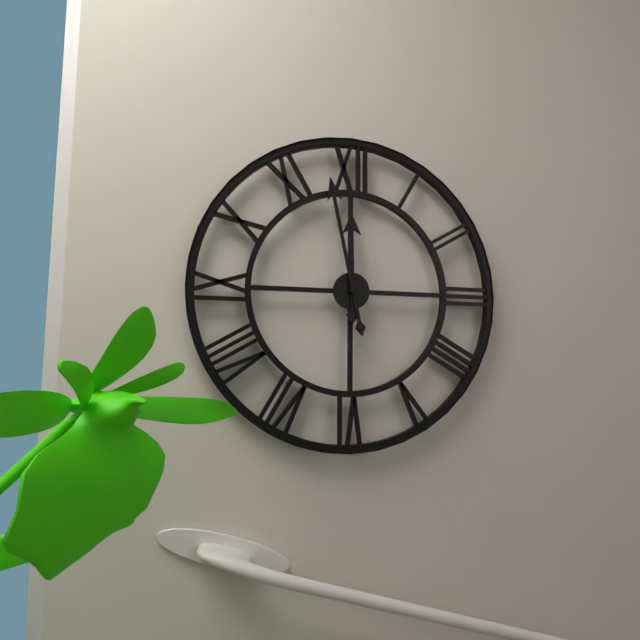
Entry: h=11 m=58
